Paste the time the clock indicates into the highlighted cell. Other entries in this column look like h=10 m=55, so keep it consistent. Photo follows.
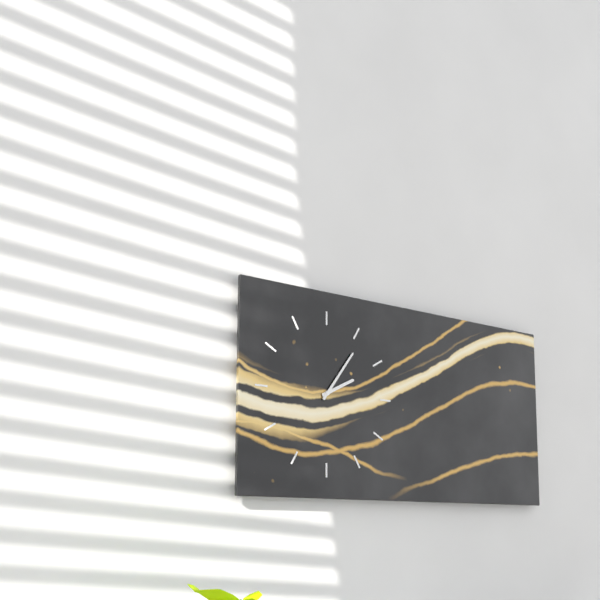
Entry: h=2 m=6
